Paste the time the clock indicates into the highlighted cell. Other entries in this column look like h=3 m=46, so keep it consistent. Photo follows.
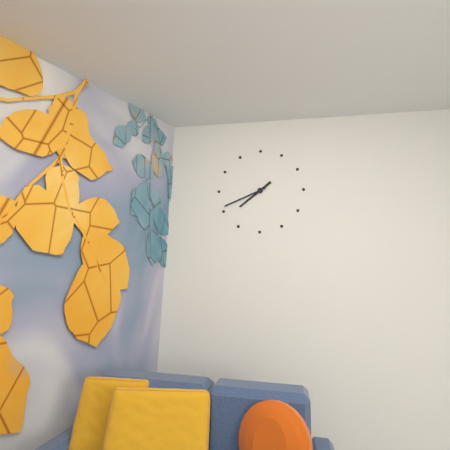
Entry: h=7 m=41
